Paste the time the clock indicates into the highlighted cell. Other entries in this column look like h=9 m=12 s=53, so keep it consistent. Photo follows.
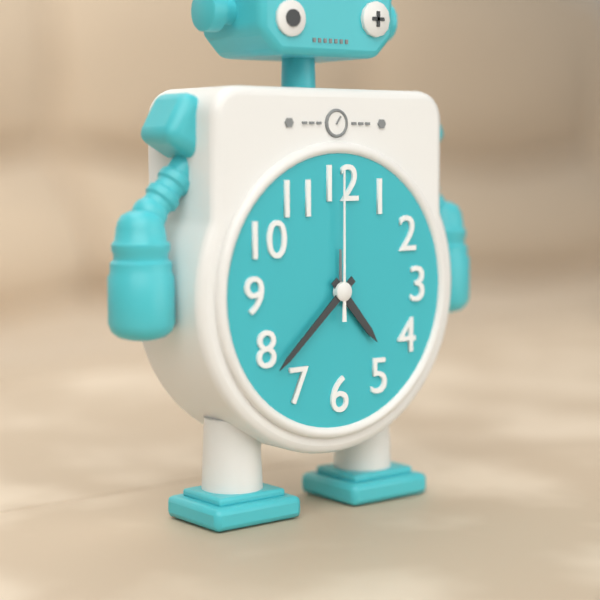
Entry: h=4 m=38 s=0
